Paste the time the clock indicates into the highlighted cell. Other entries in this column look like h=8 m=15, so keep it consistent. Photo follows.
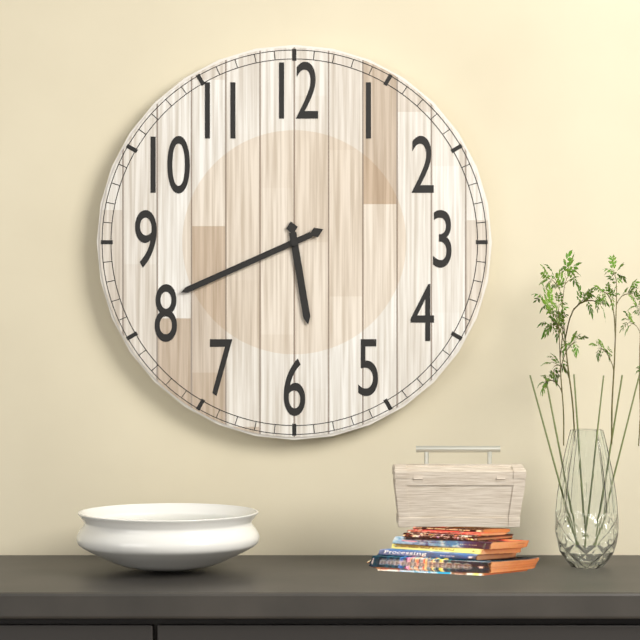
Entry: h=5 m=41
